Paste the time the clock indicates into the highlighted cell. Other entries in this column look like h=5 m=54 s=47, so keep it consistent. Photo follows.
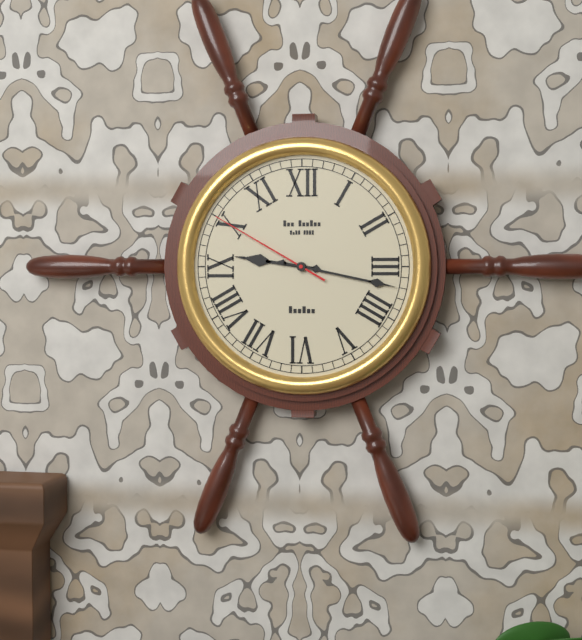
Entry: h=9 m=17 s=50
